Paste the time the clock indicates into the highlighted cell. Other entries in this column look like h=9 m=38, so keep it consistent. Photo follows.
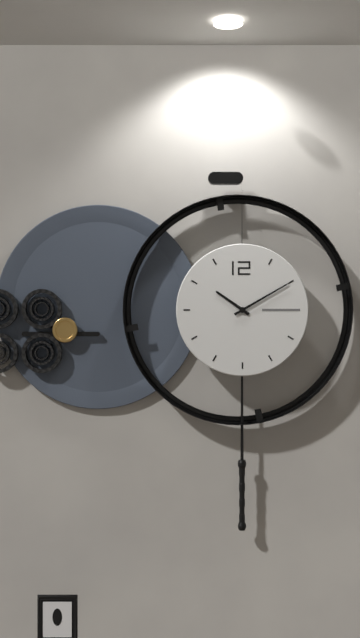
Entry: h=10 m=10
